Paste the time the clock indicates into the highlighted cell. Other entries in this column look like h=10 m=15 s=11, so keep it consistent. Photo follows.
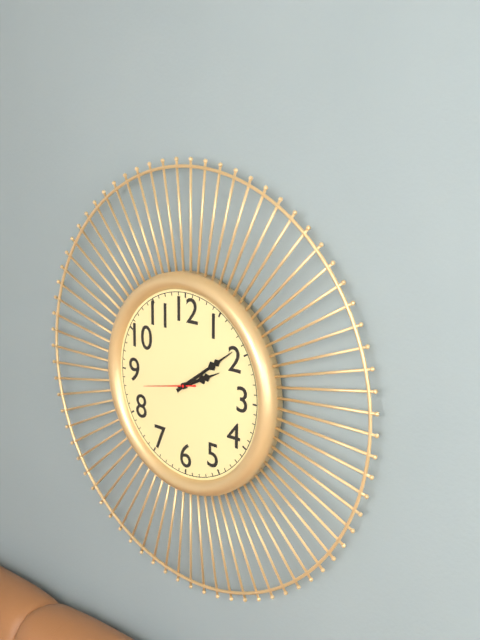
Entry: h=2 m=9 s=43
